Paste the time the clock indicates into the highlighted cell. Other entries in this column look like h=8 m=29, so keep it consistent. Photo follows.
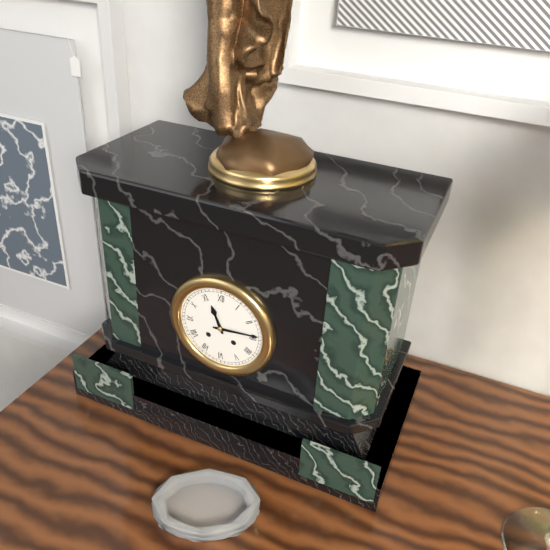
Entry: h=11 m=14
